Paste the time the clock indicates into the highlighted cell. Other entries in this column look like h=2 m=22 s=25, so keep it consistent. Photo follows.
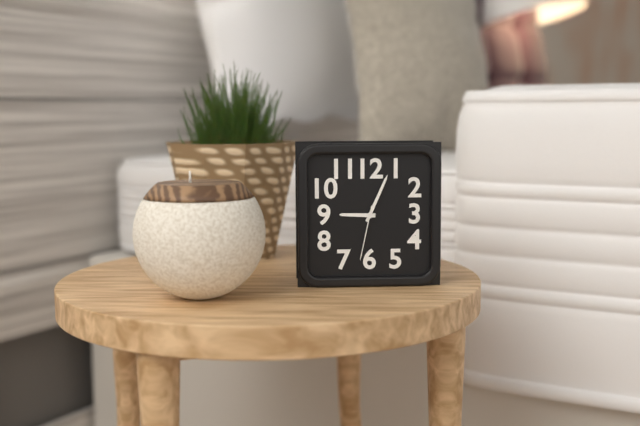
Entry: h=9 m=4 s=32
